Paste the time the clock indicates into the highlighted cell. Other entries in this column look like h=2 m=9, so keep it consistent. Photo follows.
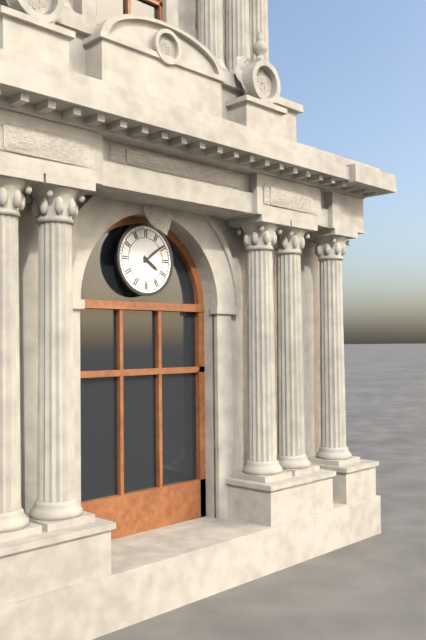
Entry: h=4 m=9
